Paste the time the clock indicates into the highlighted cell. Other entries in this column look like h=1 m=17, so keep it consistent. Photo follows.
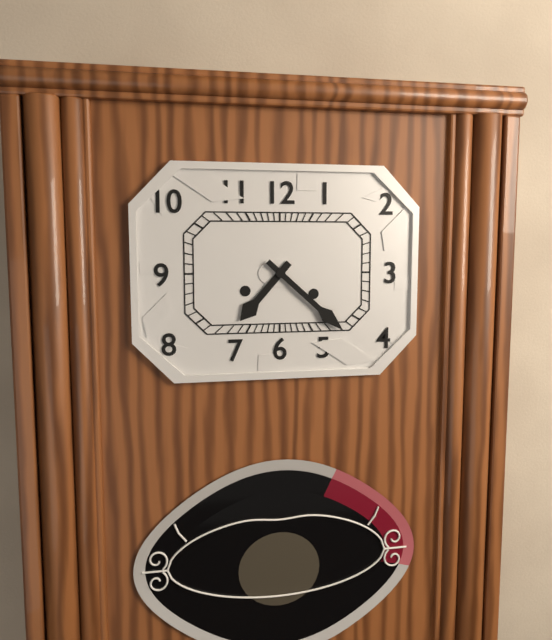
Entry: h=7 m=22
